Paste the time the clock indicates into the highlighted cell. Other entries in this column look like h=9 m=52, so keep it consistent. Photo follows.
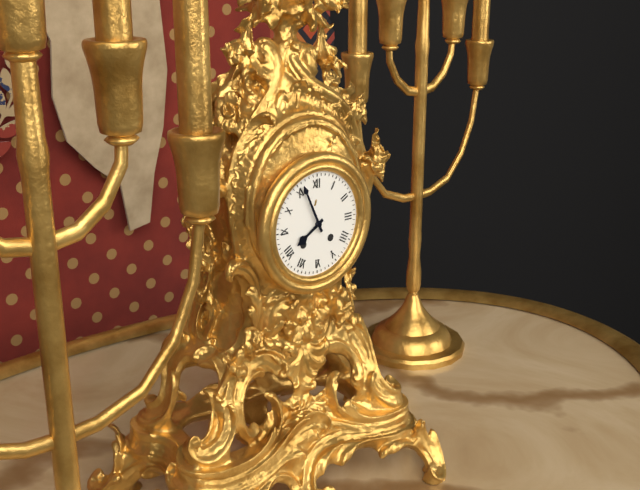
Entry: h=7 m=56
